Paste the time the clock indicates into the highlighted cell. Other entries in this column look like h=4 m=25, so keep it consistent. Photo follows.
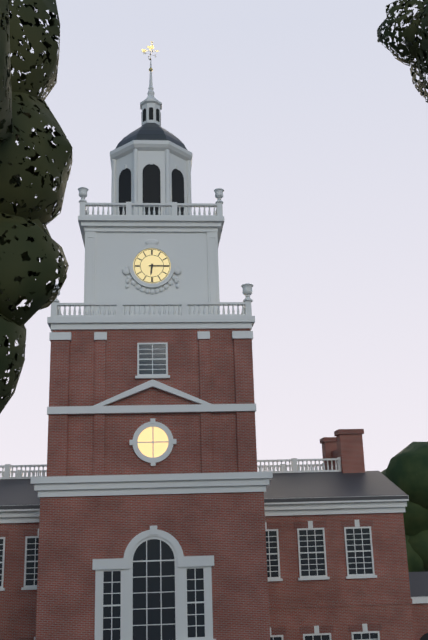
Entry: h=6 m=15
